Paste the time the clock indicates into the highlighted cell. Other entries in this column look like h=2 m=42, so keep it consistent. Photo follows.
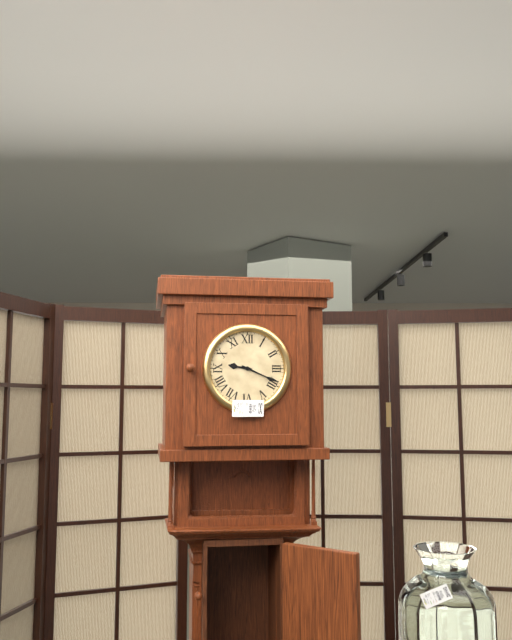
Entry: h=9 m=19
